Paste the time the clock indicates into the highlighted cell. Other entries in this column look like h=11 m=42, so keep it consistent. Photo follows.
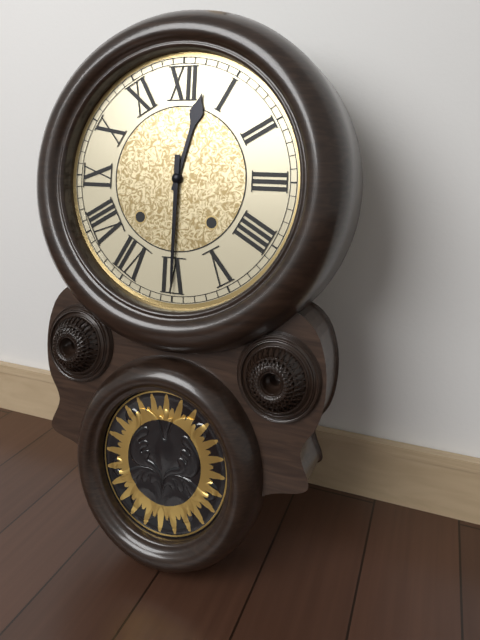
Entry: h=12 m=30
